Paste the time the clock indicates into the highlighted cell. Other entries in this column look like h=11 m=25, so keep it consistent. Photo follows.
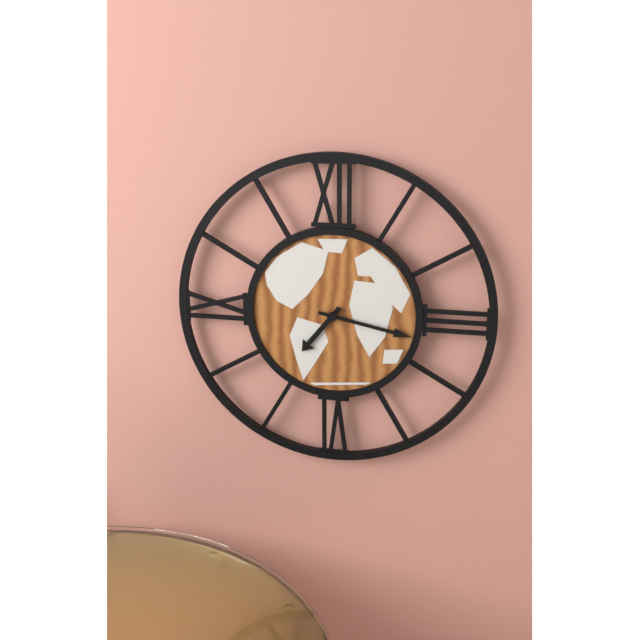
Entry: h=7 m=17
